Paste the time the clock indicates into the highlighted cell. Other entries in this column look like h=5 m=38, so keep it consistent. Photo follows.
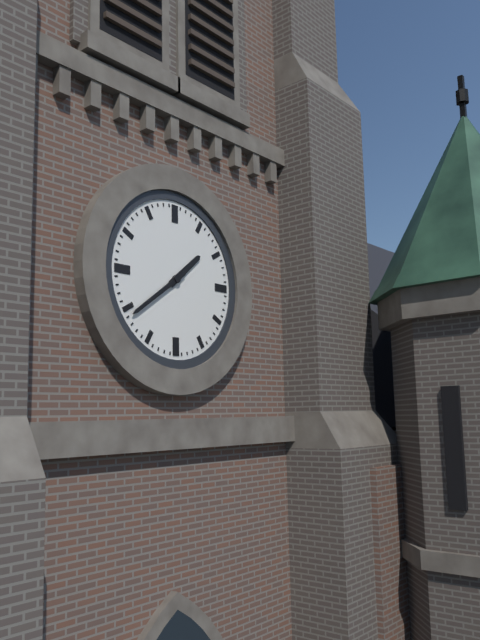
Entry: h=1 m=39
